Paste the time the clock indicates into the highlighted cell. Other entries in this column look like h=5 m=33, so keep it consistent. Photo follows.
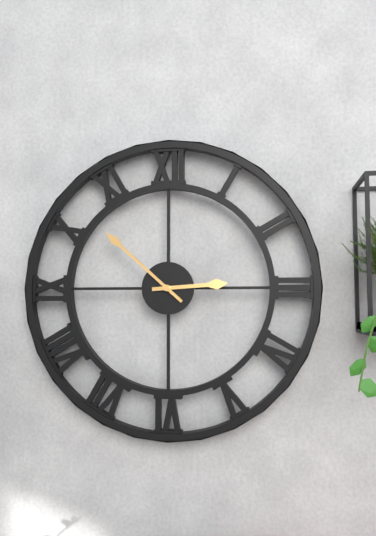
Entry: h=2 m=52
